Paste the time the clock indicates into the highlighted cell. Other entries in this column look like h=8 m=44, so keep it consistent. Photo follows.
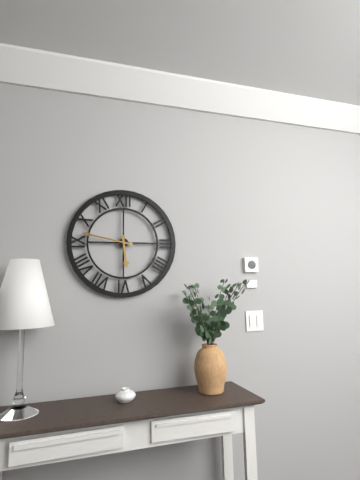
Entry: h=5 m=47
